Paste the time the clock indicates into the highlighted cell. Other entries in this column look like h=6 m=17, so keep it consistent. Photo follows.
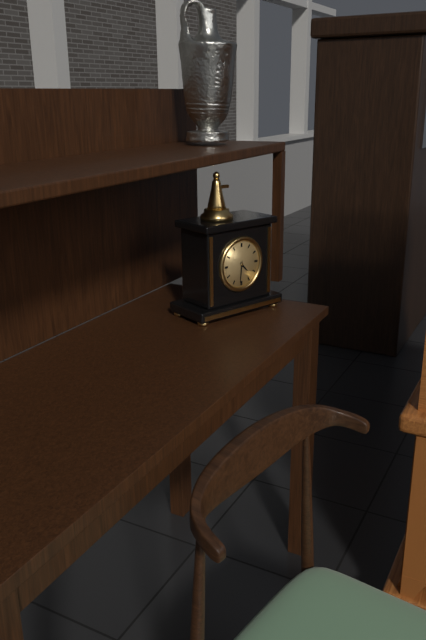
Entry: h=4 m=31
